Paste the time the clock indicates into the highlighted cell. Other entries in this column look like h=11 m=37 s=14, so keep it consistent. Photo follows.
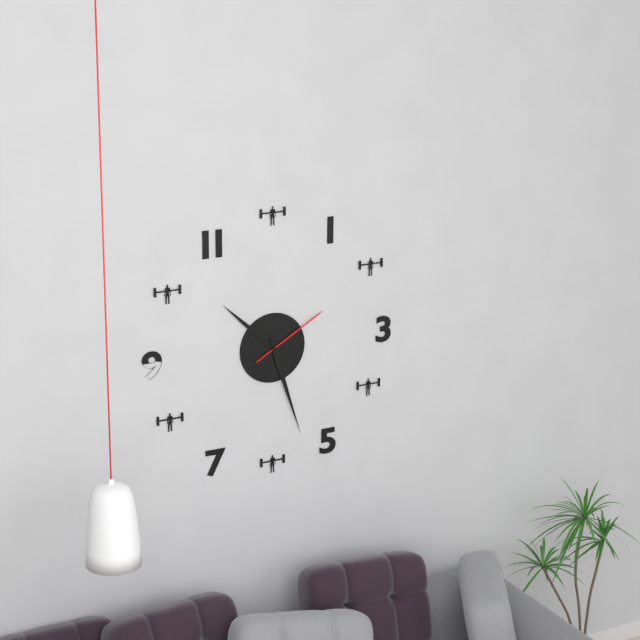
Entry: h=10 m=27 s=10
